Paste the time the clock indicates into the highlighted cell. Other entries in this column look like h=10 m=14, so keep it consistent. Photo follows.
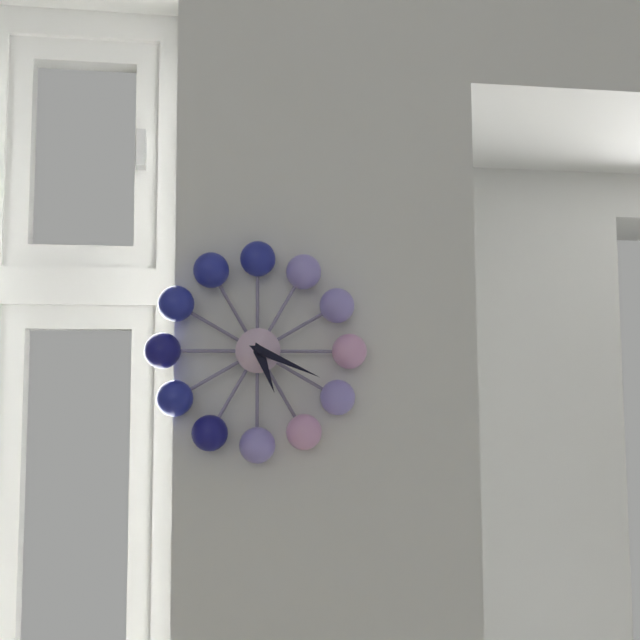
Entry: h=5 m=19
